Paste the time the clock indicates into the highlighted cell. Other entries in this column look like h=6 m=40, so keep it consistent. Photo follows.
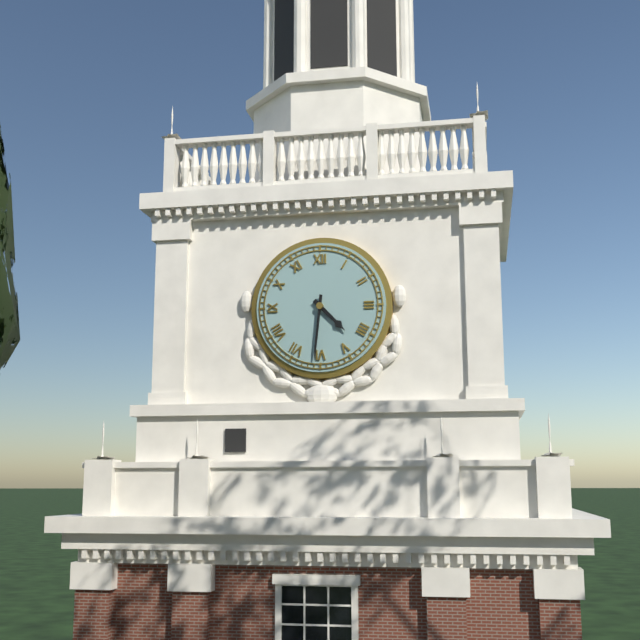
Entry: h=4 m=31
